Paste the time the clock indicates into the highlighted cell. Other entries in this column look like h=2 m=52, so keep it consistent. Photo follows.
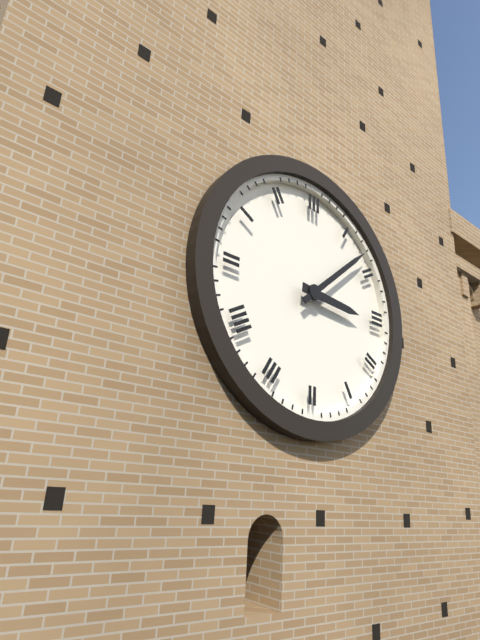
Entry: h=3 m=8
